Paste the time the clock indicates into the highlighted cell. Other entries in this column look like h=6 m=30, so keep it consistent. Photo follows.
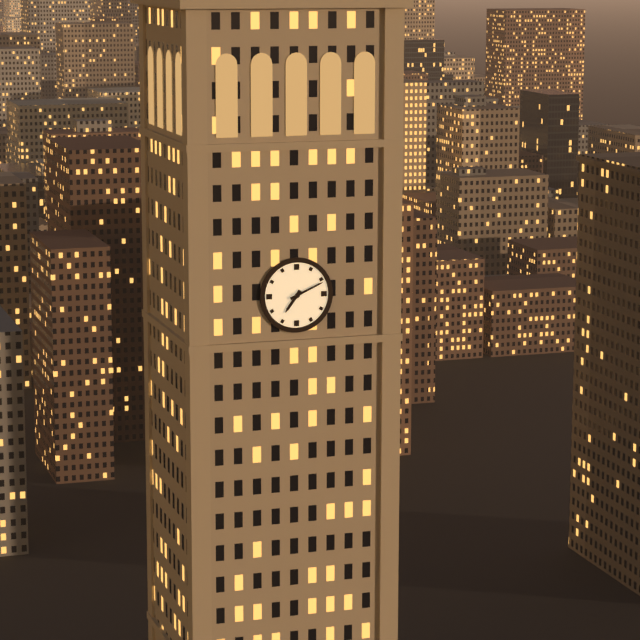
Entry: h=7 m=11
